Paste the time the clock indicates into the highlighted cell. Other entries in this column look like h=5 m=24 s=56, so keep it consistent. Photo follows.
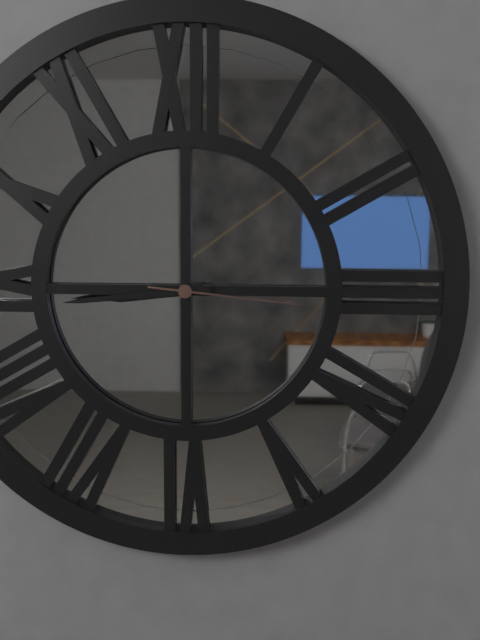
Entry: h=8 m=44 s=16
